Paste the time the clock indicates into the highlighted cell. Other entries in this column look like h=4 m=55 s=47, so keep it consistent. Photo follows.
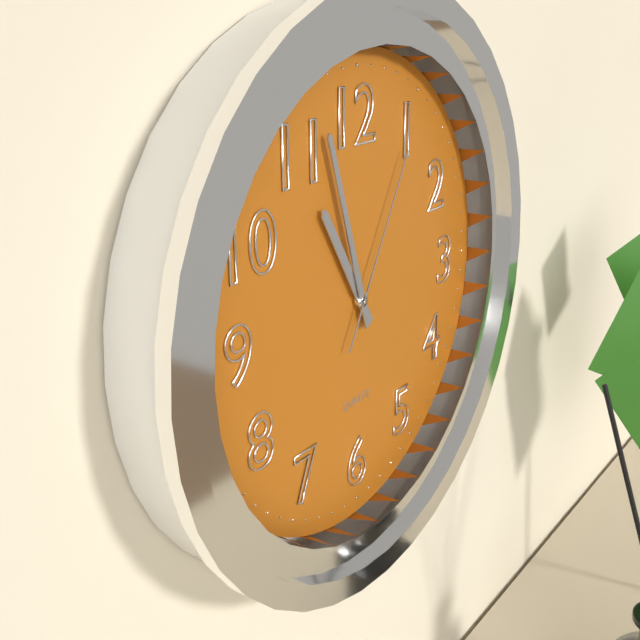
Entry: h=10 m=57 s=5
